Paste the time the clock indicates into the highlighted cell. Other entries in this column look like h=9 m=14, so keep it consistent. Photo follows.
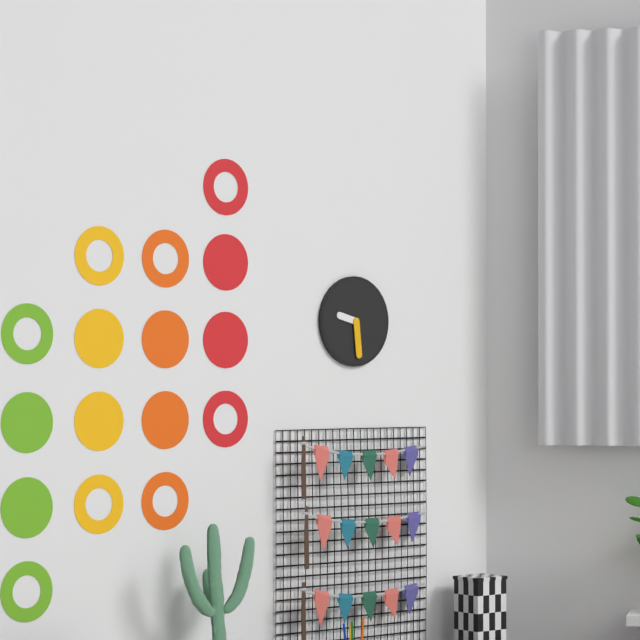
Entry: h=9 m=29
